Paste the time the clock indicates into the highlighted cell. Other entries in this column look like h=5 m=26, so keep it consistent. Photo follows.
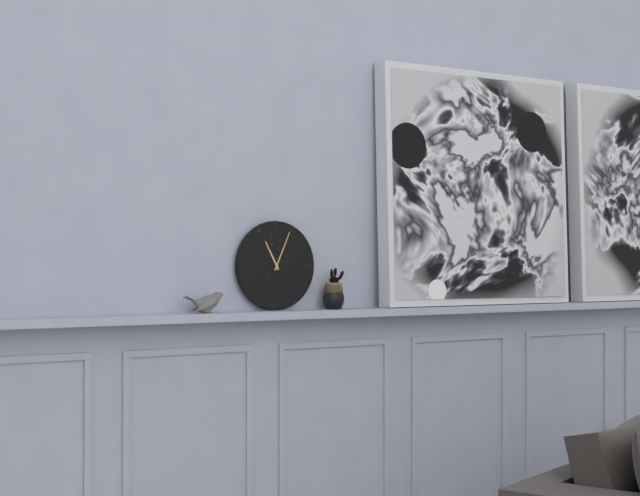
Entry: h=11 m=4
